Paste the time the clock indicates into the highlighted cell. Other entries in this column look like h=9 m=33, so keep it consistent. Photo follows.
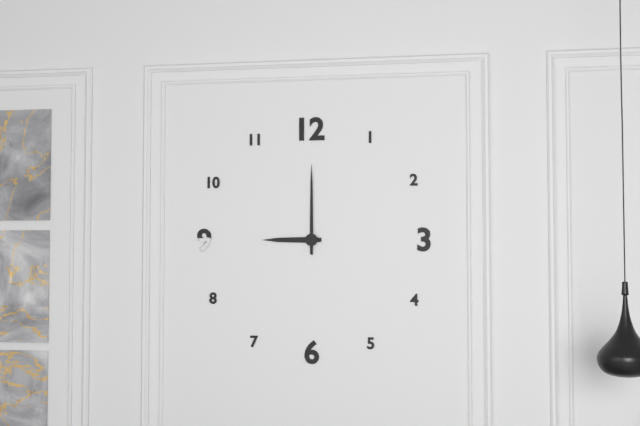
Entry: h=9 m=0
